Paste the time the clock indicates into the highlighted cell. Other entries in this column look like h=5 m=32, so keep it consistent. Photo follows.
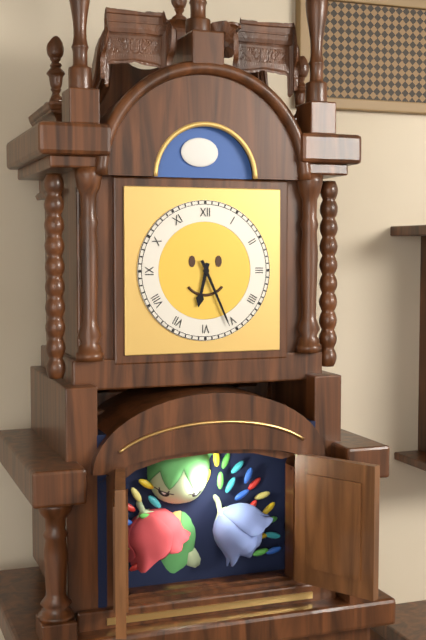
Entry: h=6 m=26
